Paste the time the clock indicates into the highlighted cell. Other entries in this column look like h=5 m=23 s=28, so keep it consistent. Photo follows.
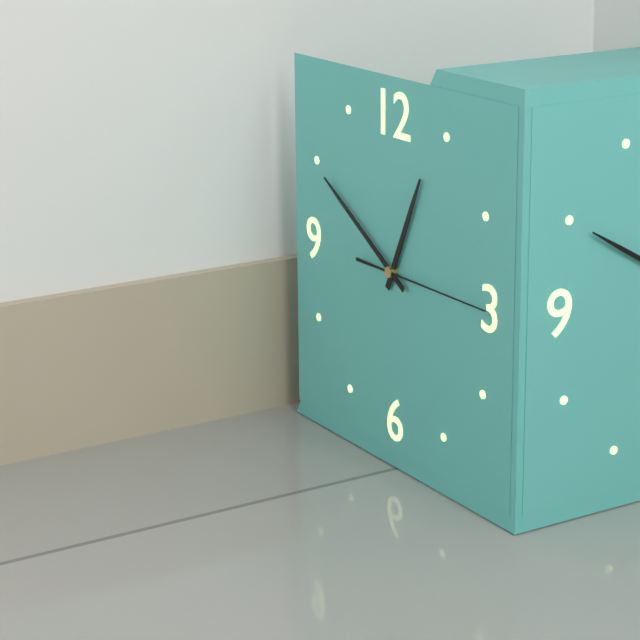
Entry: h=12 m=50 s=15
